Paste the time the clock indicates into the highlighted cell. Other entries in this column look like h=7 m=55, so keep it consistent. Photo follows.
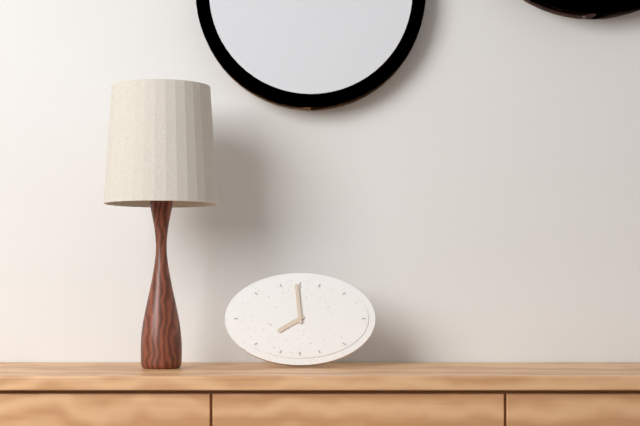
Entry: h=7 m=59
